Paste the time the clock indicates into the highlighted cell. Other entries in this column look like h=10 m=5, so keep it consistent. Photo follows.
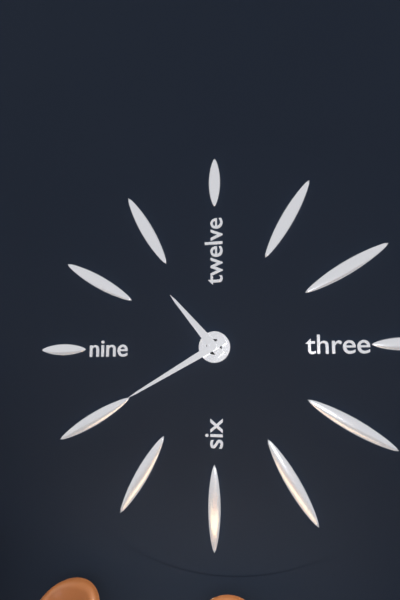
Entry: h=10 m=40
